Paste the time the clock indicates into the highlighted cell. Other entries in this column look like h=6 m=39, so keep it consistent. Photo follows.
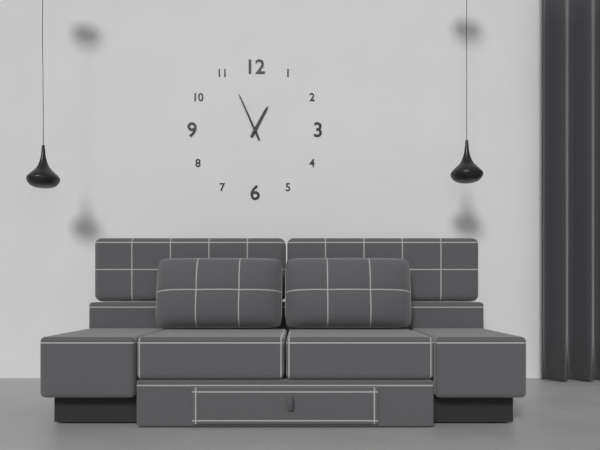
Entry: h=12 m=56
